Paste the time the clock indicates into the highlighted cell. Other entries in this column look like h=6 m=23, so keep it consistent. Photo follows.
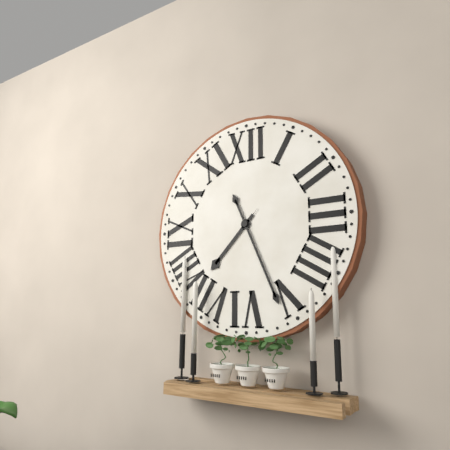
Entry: h=7 m=26
